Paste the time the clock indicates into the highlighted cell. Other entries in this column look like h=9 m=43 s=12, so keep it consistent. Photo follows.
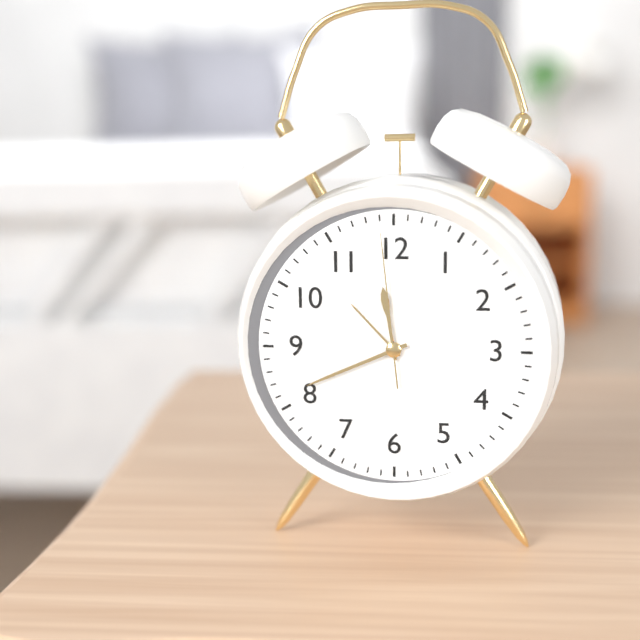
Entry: h=11 m=41 s=59
